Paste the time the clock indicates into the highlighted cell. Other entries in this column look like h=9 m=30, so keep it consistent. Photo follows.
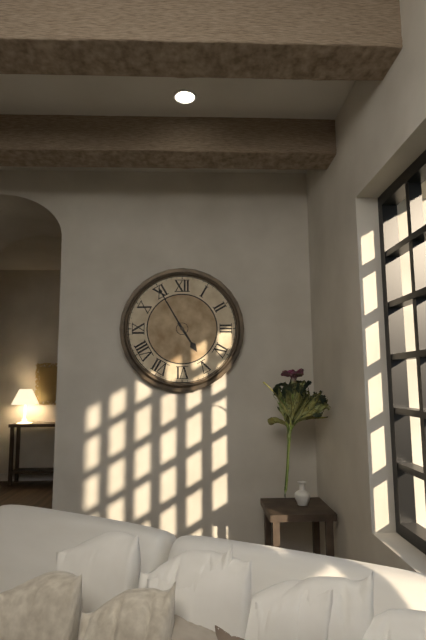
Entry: h=4 m=55
